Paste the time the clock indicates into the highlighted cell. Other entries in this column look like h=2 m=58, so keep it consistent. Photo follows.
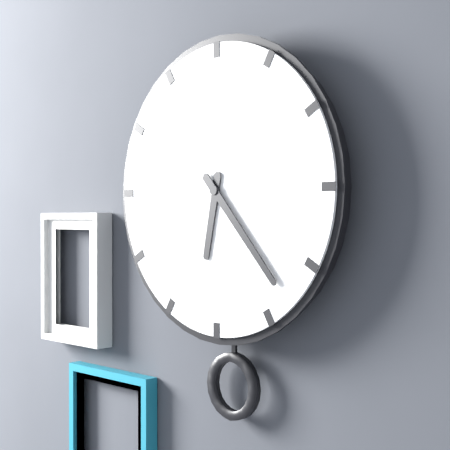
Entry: h=6 m=23
